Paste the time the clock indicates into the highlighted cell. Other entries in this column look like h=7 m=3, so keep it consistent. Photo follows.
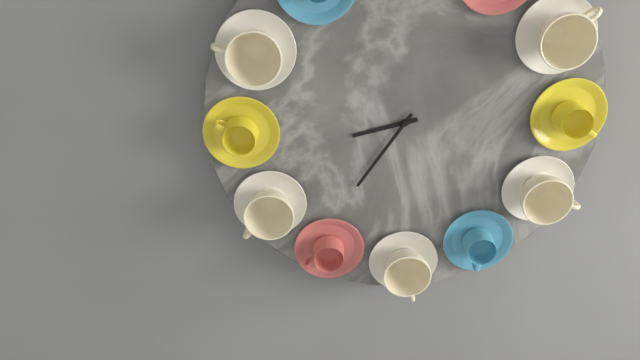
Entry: h=8 m=36
